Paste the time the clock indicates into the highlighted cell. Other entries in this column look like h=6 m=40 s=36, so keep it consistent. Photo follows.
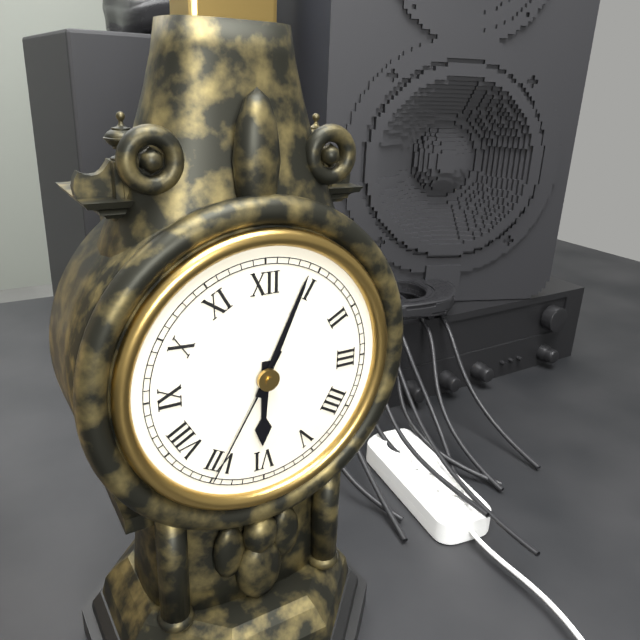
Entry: h=6 m=4 s=35
